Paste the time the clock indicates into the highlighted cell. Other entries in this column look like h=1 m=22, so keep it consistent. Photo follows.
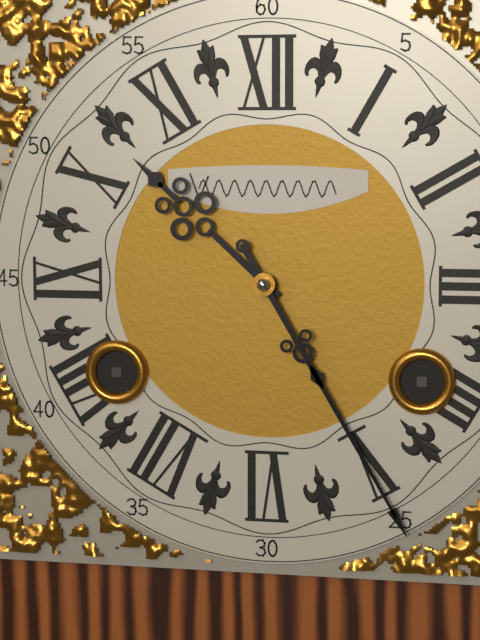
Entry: h=10 m=25
